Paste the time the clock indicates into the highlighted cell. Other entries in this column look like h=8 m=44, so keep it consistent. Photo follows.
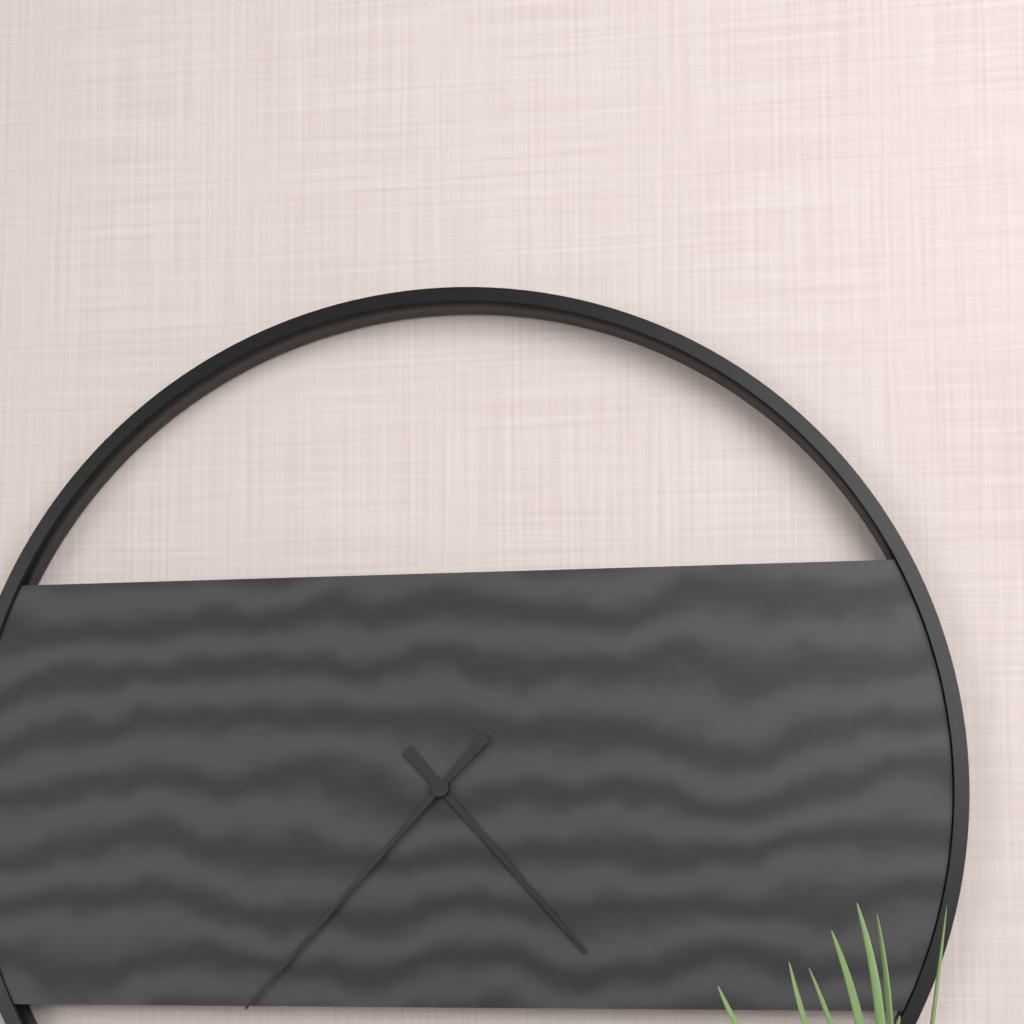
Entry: h=4 m=37
